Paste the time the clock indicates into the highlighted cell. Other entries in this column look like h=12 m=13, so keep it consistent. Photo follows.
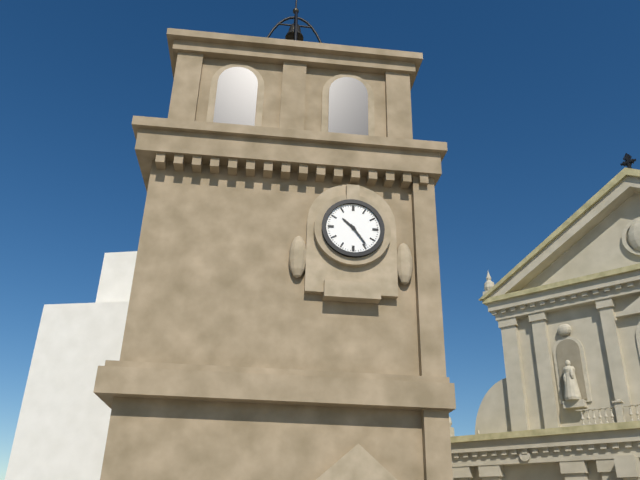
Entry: h=10 m=24
